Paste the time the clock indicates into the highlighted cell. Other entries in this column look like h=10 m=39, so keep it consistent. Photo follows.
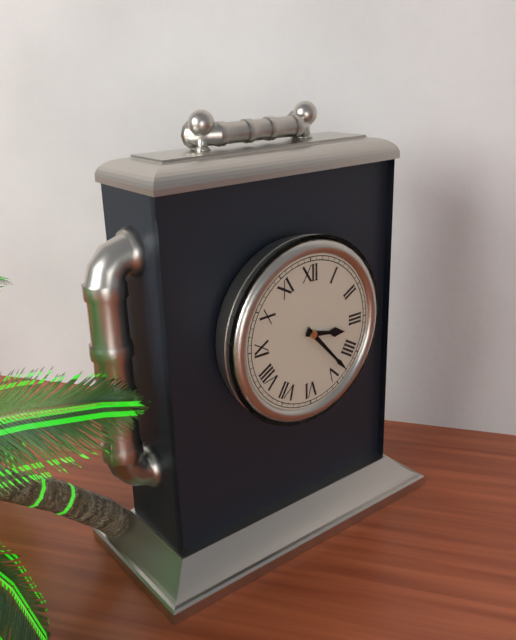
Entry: h=3 m=23
